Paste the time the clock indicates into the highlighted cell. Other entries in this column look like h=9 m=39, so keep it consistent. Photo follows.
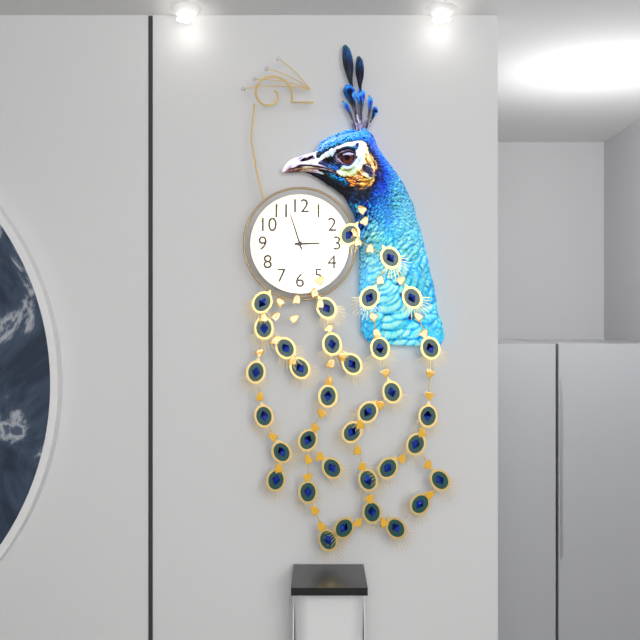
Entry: h=2 m=57
